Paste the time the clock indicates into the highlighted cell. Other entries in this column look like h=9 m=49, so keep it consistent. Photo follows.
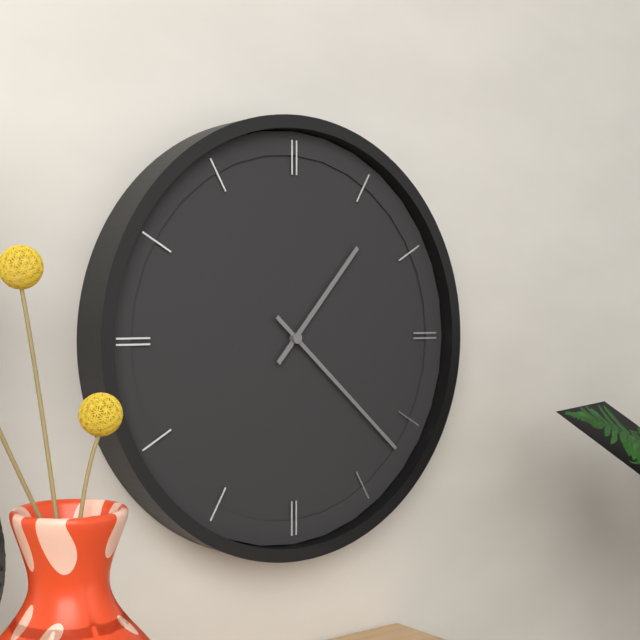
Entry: h=1 m=22
